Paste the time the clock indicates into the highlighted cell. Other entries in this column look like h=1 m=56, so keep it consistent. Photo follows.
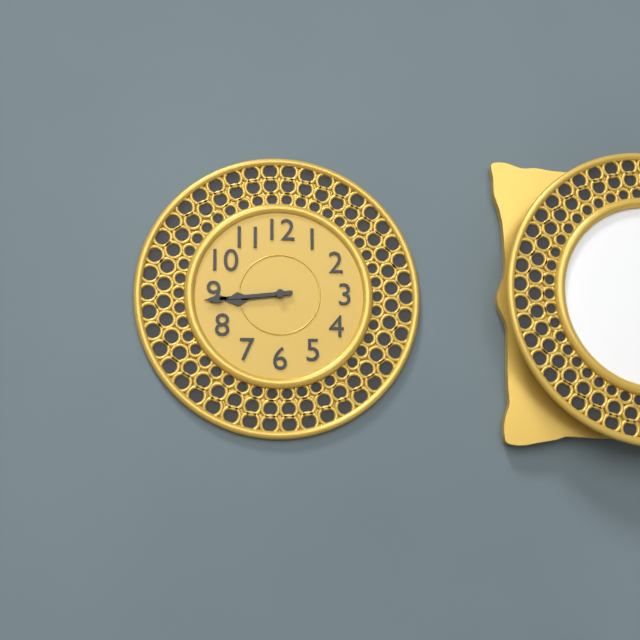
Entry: h=8 m=44
